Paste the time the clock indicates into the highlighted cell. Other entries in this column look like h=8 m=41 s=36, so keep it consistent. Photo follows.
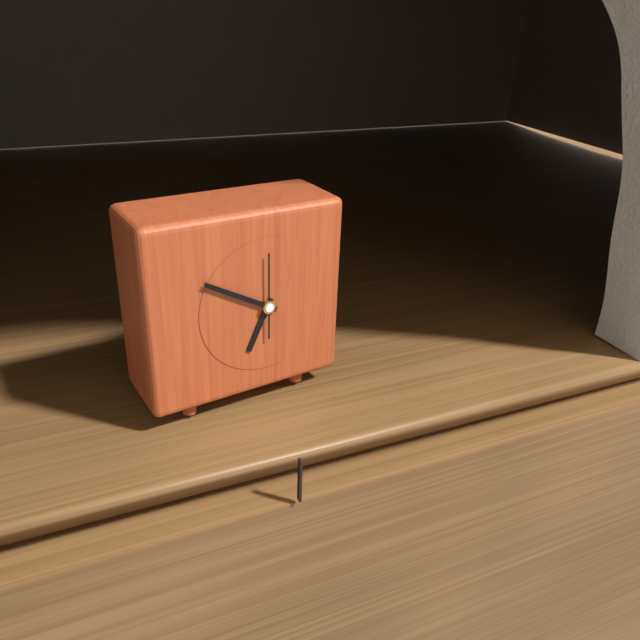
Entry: h=6 m=50 s=0
